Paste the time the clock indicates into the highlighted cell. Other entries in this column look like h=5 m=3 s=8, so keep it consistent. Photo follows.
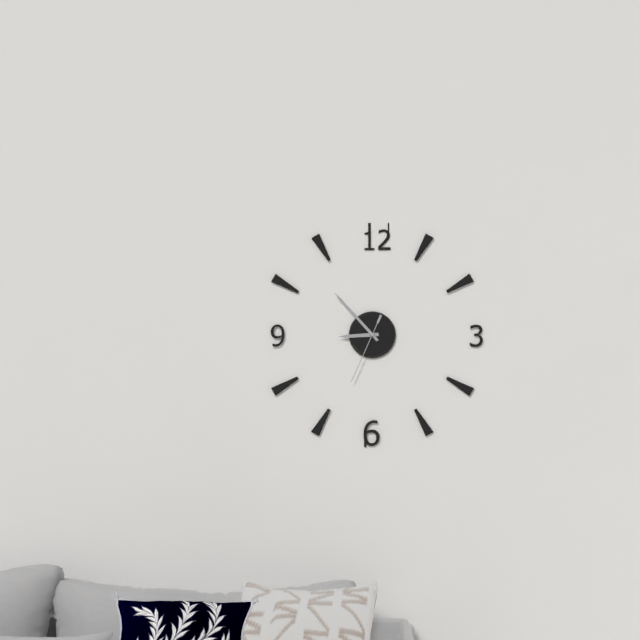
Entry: h=8 m=53 s=34
